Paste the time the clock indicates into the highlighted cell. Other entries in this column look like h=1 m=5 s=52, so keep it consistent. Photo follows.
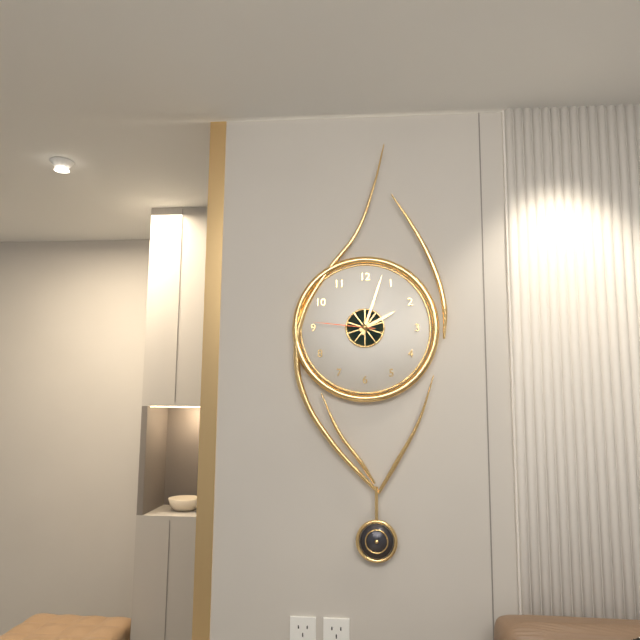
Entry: h=2 m=3 s=46
